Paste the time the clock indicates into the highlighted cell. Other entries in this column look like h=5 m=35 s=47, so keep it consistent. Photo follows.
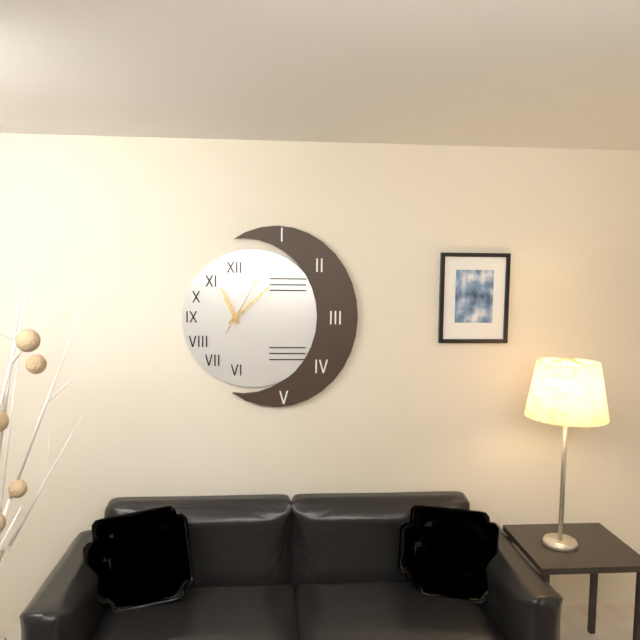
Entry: h=11 m=8 s=5
